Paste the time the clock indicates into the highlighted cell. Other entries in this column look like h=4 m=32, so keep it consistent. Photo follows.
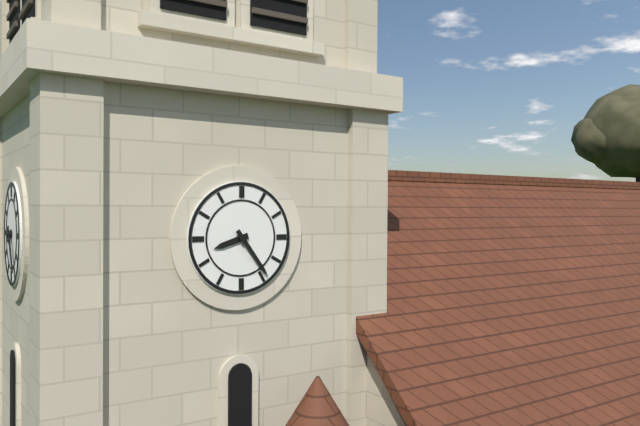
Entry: h=8 m=24
